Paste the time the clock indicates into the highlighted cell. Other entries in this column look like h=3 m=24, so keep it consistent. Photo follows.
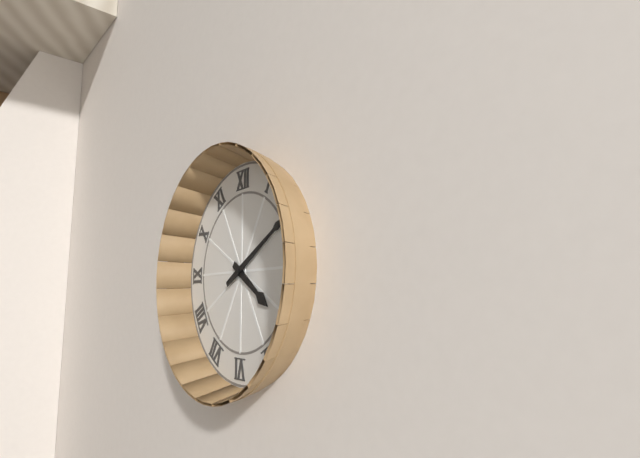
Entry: h=4 m=10
